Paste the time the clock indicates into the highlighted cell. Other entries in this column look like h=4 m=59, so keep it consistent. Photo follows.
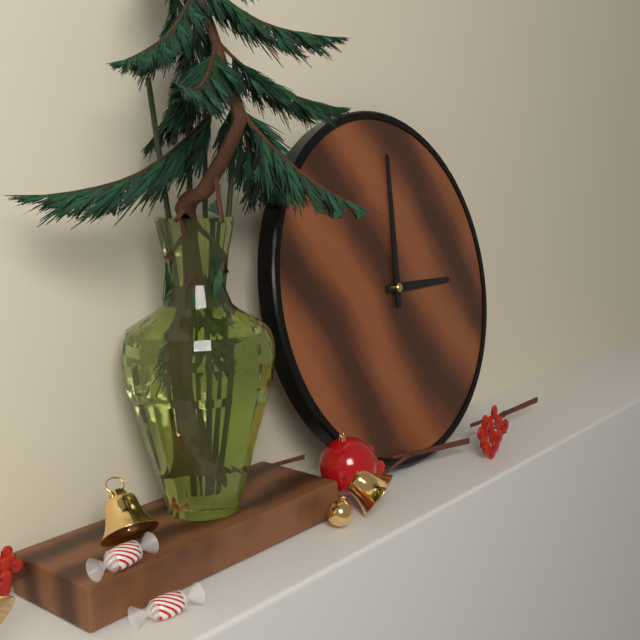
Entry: h=3 m=1
